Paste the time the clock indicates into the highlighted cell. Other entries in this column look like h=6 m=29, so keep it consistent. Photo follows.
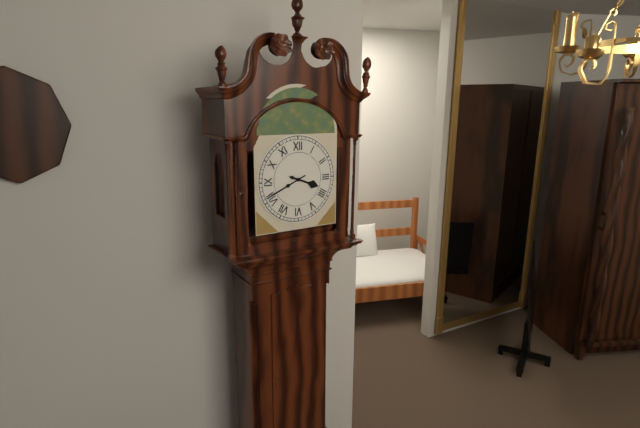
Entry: h=3 m=41
